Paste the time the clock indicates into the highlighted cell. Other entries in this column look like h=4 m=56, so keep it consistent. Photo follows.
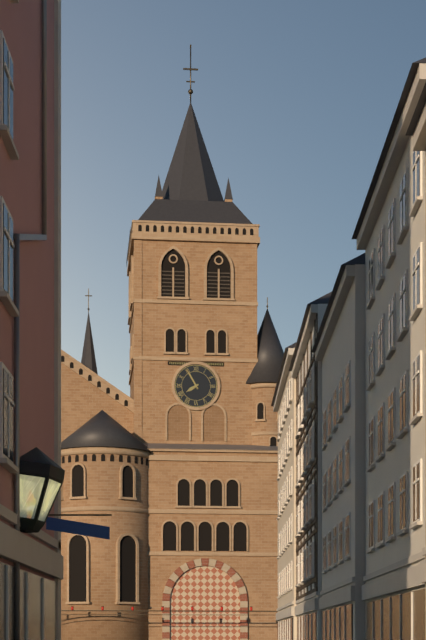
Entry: h=7 m=55
